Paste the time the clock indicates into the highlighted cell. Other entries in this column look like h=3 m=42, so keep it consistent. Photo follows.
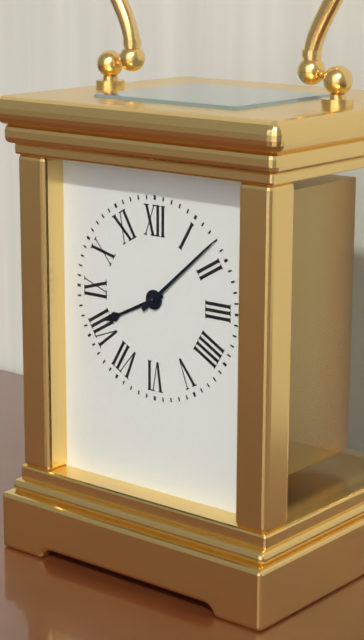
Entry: h=8 m=8
